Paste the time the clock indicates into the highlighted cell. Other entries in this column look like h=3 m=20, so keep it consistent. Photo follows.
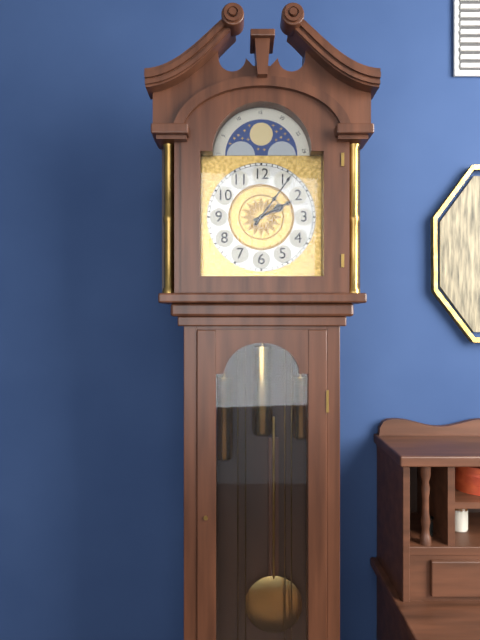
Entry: h=2 m=6
